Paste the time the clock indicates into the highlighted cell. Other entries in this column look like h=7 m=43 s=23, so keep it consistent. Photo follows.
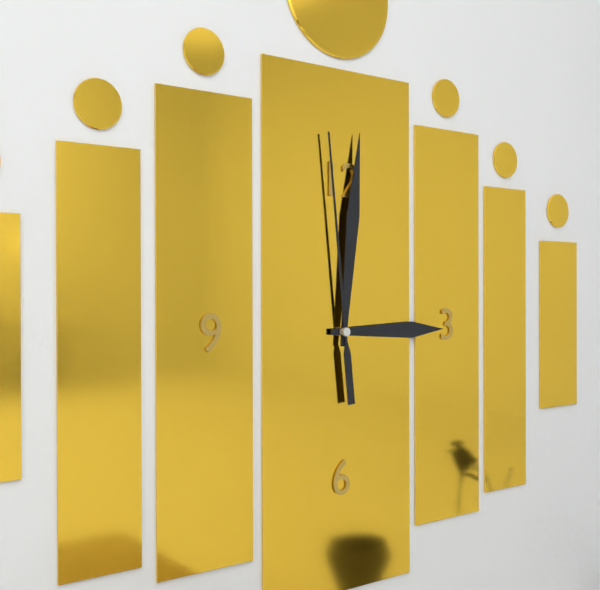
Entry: h=3 m=1 s=59
